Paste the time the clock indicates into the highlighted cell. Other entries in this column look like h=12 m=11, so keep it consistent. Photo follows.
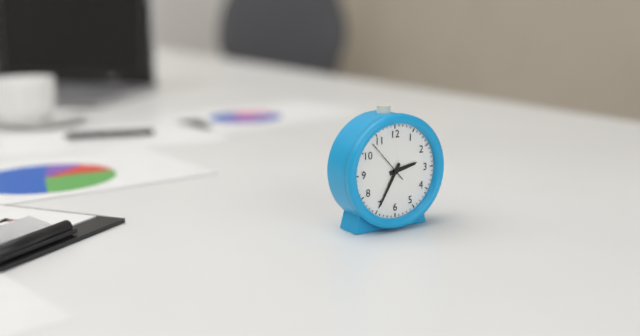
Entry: h=2 m=35
